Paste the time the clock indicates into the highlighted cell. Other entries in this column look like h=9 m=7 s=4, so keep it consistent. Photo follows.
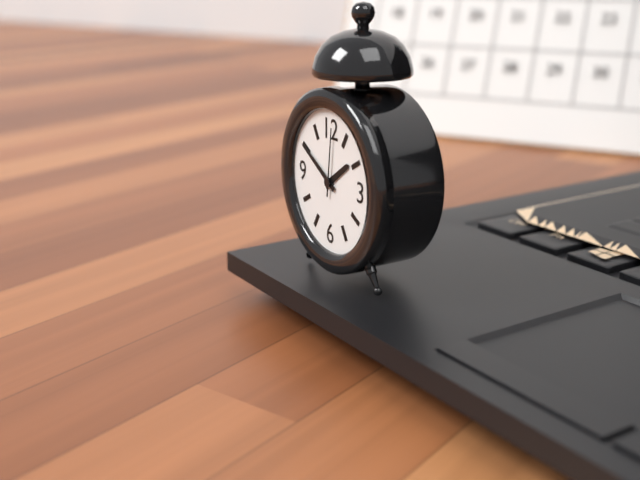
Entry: h=1 m=50 s=1
